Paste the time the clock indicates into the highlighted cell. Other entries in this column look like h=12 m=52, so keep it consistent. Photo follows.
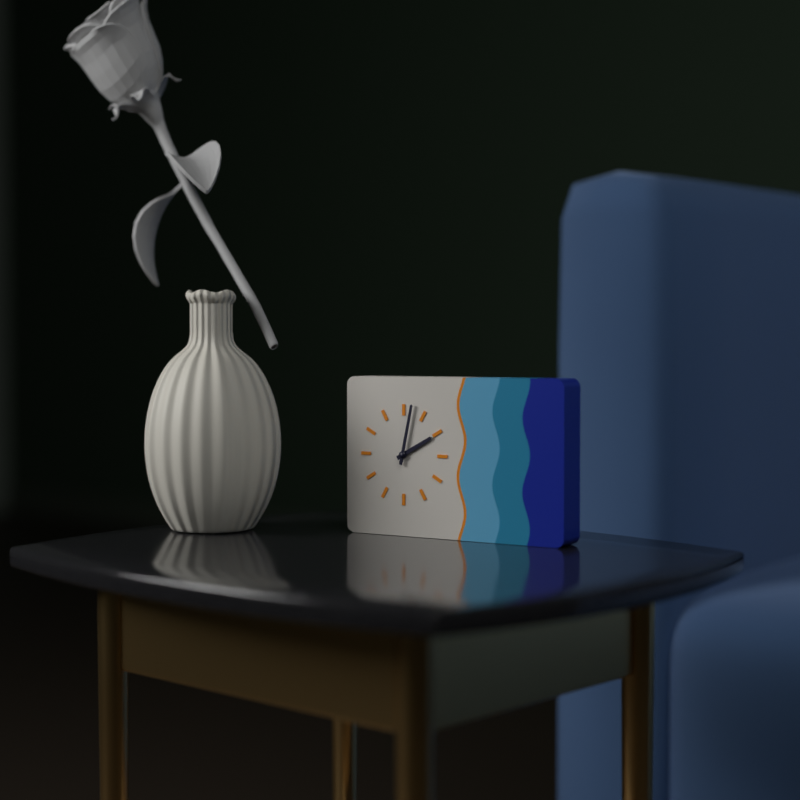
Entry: h=2 m=2
